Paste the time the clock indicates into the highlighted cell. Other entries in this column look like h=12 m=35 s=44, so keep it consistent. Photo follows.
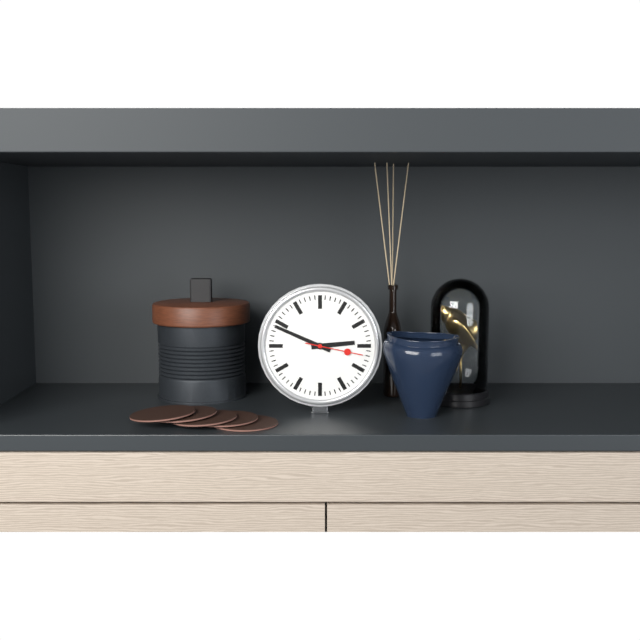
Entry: h=2 m=49 s=17
